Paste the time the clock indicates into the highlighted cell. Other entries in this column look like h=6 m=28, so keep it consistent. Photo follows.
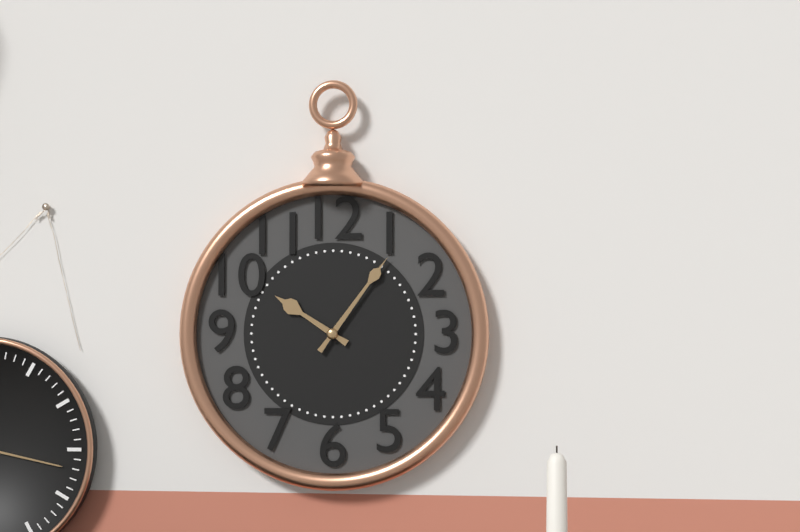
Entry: h=10 m=6
